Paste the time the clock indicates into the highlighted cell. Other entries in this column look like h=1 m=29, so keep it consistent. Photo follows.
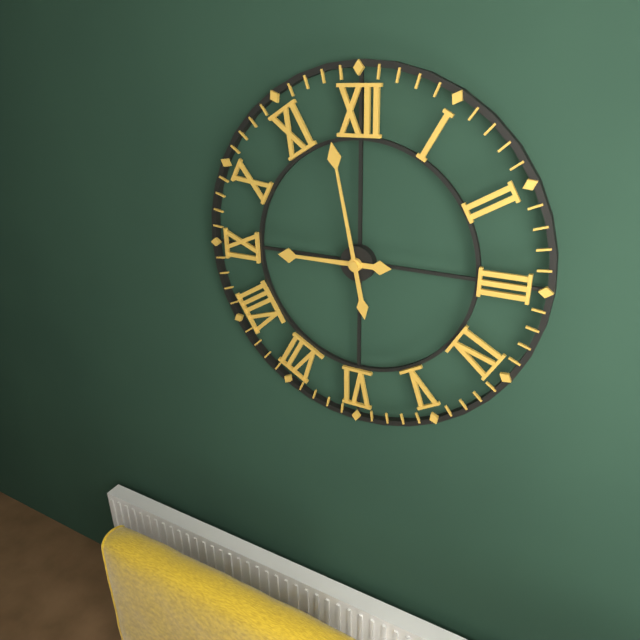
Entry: h=8 m=58
